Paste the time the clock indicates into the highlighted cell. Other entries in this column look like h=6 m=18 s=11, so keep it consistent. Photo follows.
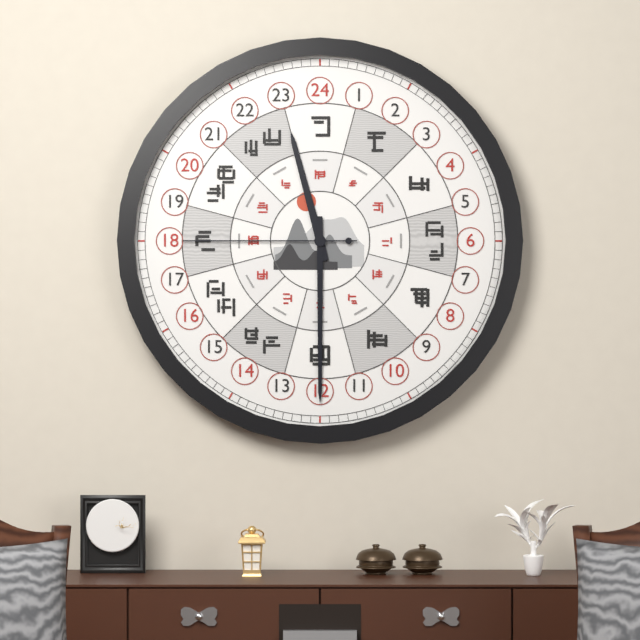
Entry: h=11 m=30 s=45
